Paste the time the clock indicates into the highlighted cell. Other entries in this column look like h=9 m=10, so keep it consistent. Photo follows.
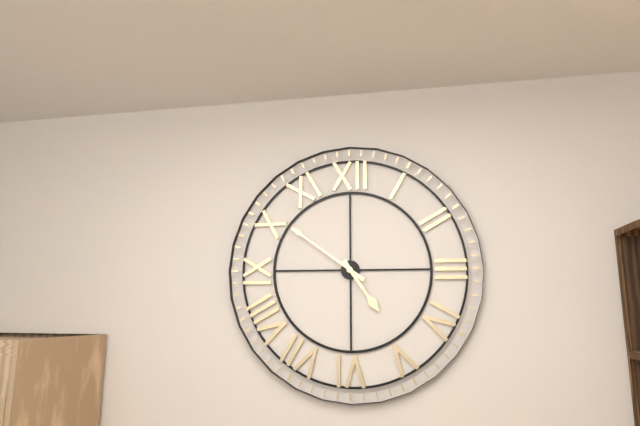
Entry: h=4 m=51
